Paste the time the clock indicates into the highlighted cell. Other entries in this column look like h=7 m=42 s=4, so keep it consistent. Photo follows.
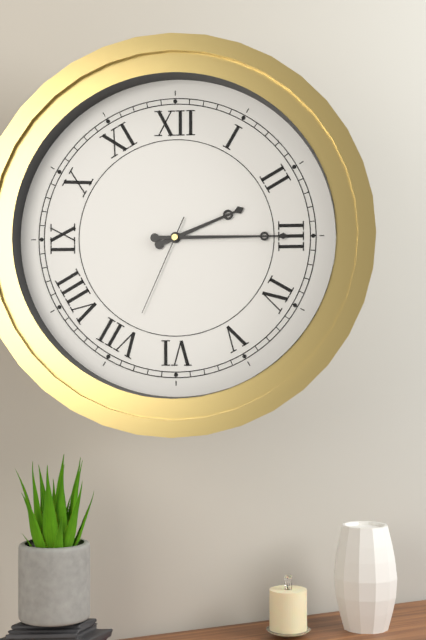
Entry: h=2 m=15 s=34
